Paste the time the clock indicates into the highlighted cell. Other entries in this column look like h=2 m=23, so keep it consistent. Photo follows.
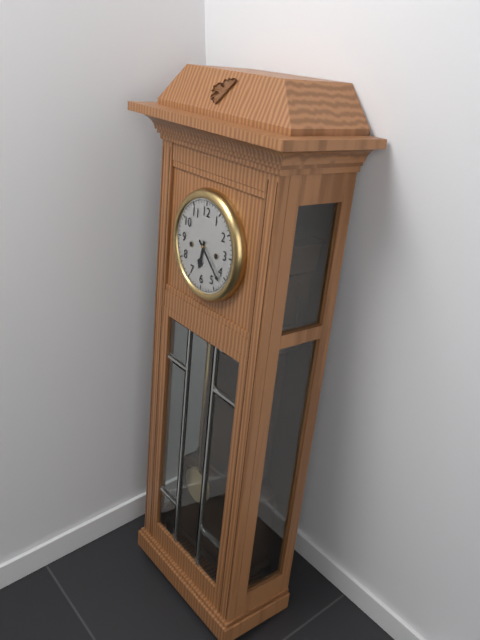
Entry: h=6 m=22
